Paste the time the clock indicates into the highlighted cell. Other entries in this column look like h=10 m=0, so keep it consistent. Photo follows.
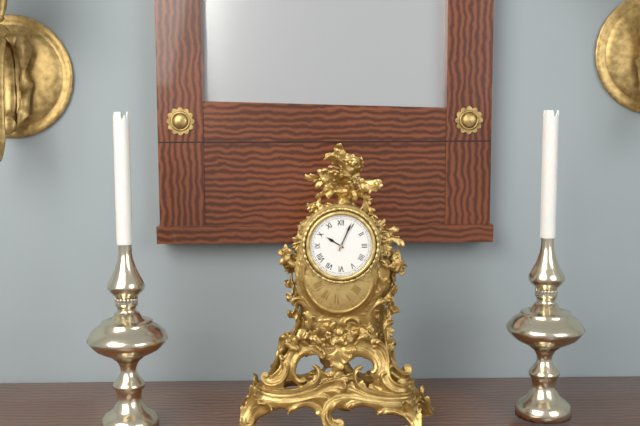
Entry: h=10 m=4
